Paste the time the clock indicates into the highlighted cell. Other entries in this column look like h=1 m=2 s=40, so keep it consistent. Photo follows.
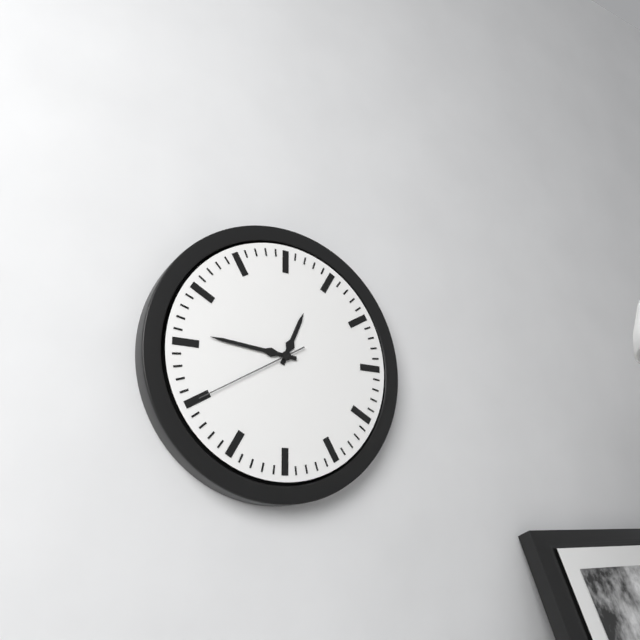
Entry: h=12 m=46 s=40
